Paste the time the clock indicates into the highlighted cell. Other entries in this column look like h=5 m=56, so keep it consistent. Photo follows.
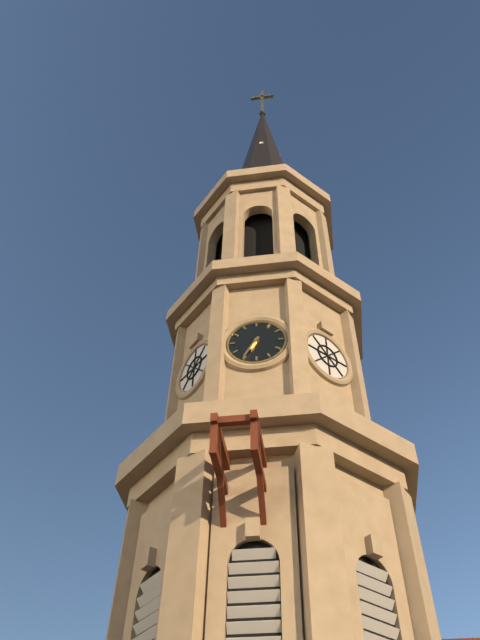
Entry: h=6 m=35
